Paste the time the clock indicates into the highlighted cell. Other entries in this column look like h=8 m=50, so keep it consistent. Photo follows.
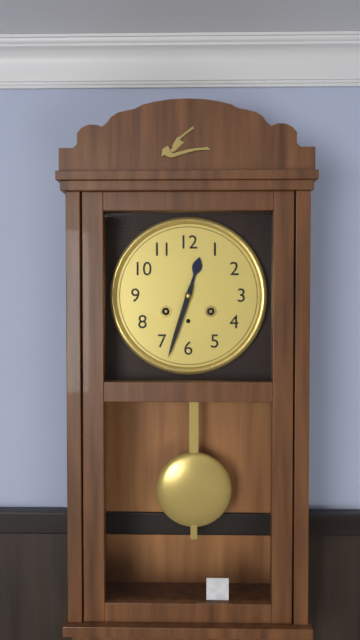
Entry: h=12 m=33
